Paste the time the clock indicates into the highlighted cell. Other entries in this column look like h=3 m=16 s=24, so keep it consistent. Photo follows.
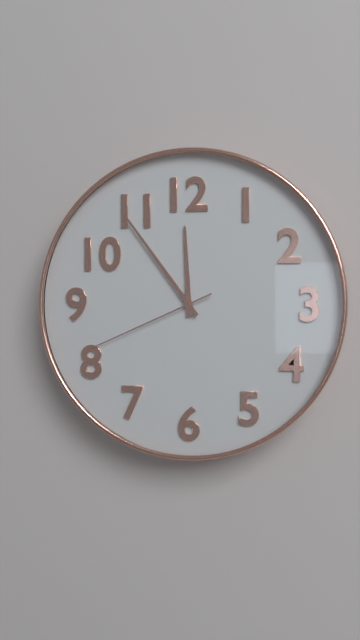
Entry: h=11 m=54 s=41
